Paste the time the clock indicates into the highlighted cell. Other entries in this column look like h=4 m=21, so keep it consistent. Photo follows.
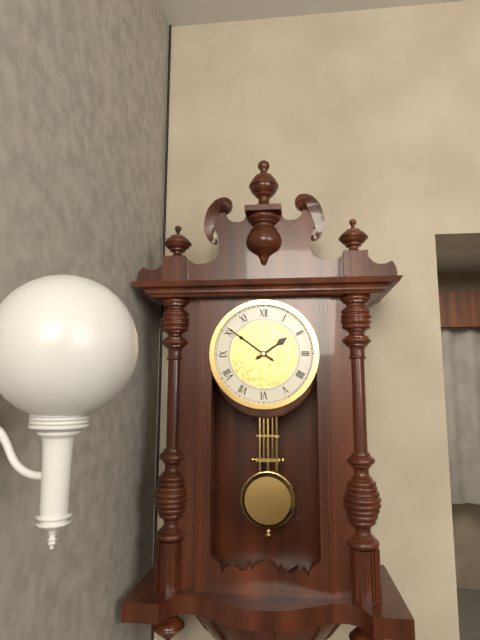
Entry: h=1 m=51
